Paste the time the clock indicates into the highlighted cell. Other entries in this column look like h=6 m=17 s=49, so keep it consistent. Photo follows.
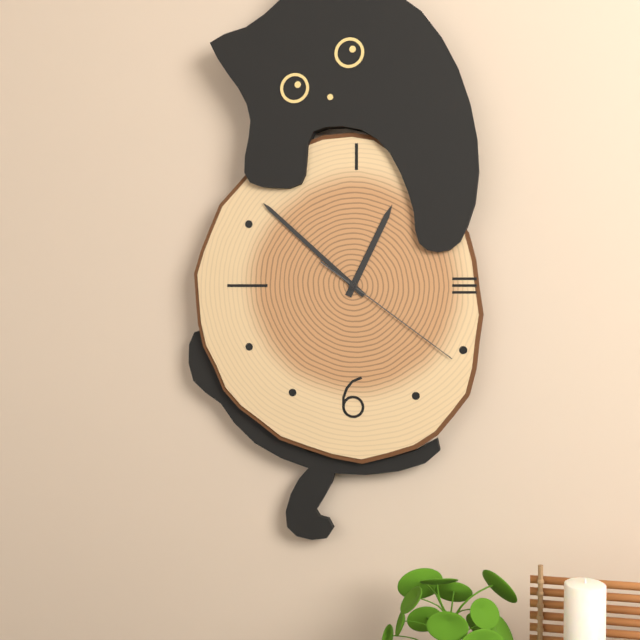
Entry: h=12 m=52 s=21
